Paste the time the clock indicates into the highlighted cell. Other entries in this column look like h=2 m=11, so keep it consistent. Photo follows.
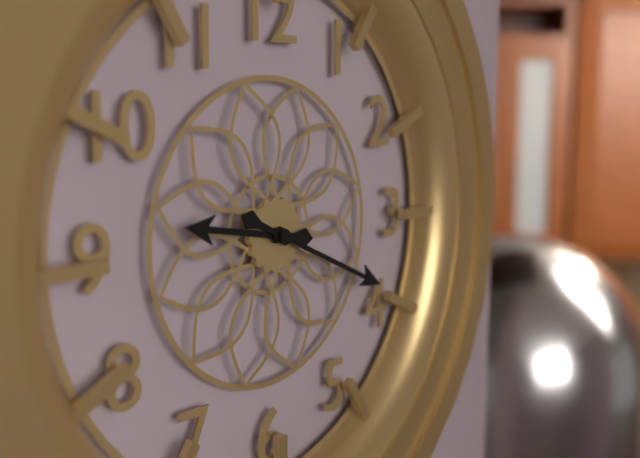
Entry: h=9 m=19
